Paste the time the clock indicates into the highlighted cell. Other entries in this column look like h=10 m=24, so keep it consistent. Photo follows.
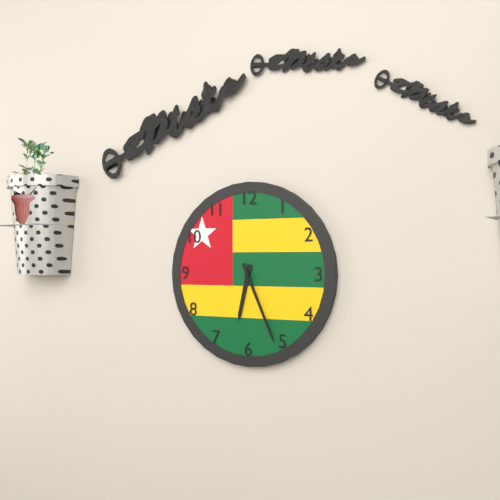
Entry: h=6 m=26
